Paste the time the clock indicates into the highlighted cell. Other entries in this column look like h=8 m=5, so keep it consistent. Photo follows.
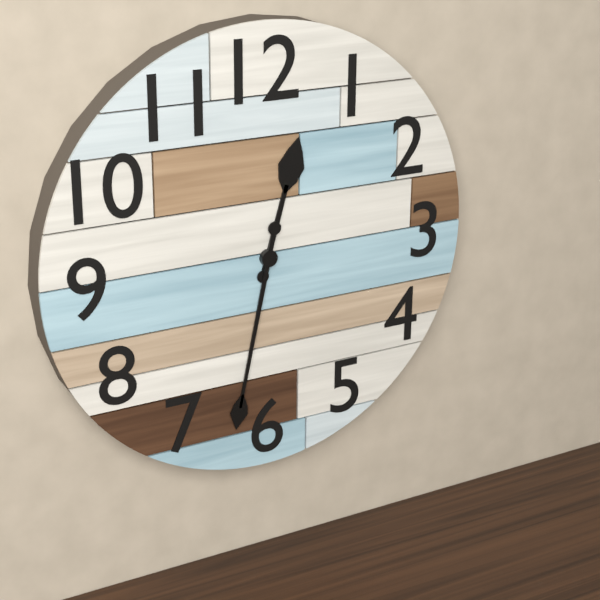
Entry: h=12 m=32
